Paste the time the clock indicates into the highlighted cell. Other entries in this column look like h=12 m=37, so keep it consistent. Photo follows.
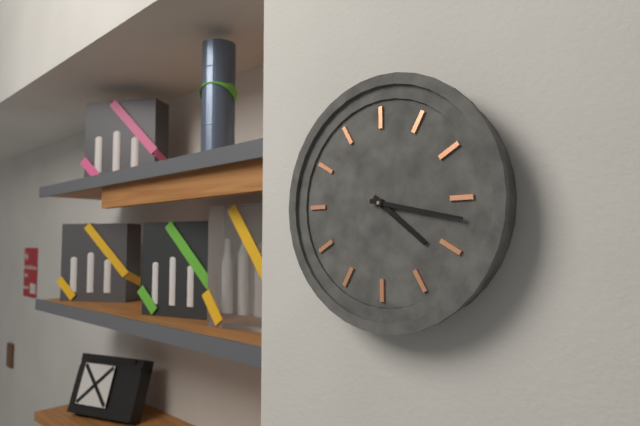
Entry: h=4 m=17
